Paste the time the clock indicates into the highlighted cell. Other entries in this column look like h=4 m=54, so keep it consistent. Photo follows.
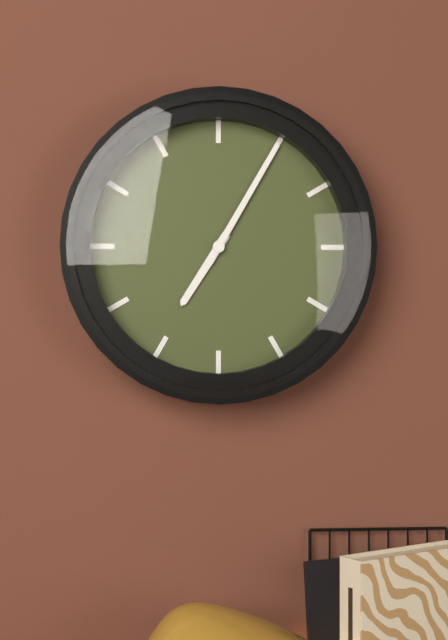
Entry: h=7 m=5
